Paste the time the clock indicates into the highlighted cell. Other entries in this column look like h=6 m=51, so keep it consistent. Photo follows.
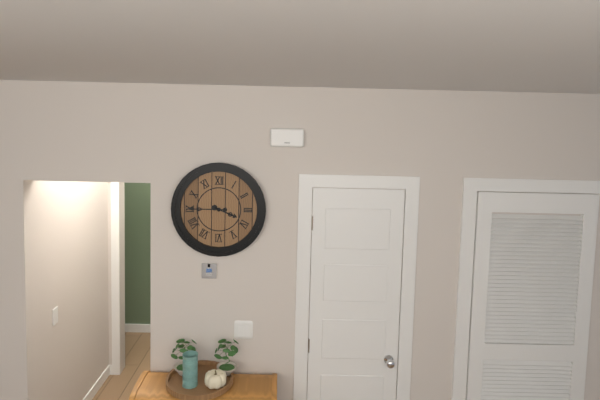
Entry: h=3 m=45
